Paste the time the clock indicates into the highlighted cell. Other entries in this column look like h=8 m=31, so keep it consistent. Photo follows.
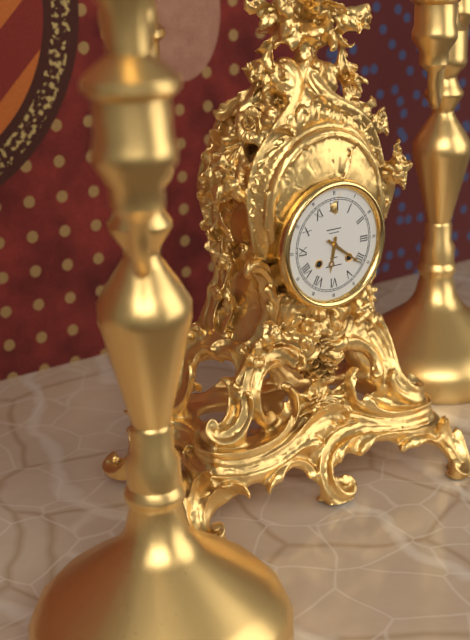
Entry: h=6 m=21
